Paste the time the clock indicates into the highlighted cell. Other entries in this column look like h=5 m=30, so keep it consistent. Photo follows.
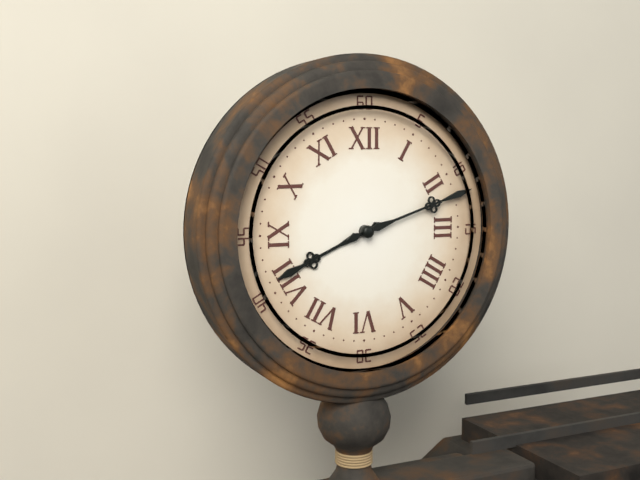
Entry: h=8 m=12
